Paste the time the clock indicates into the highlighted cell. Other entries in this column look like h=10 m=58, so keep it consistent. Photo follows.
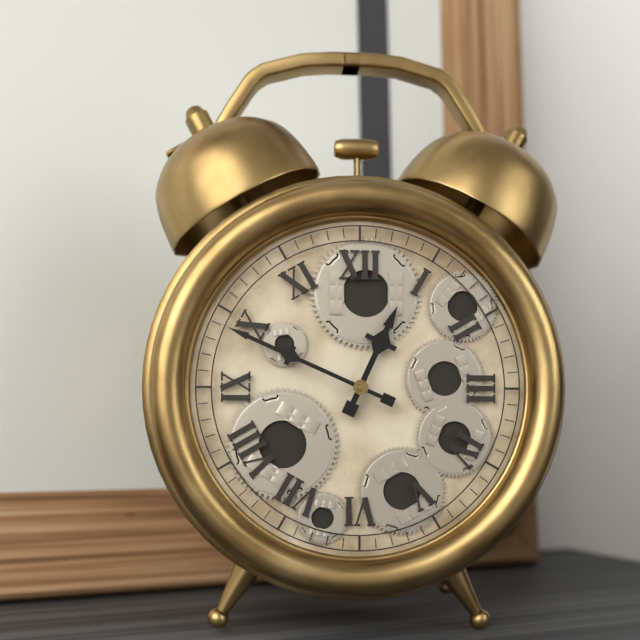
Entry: h=12 m=49
